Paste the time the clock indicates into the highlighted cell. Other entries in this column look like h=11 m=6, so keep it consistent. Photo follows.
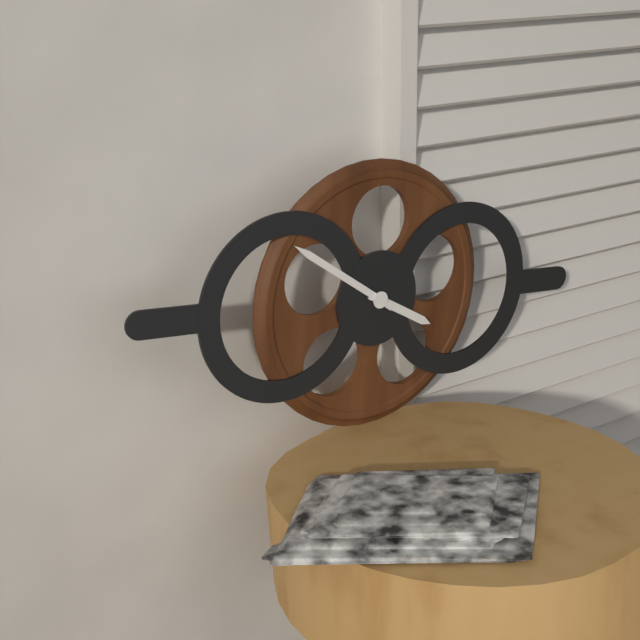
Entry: h=3 m=50
